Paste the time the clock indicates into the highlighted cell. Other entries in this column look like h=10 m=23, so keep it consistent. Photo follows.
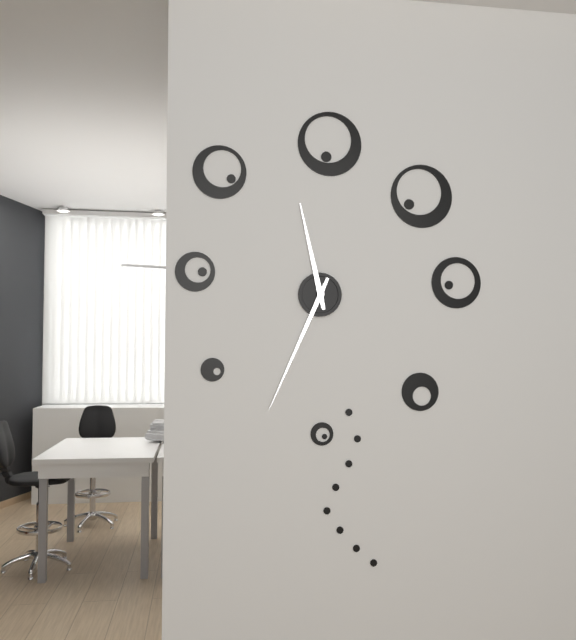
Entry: h=11 m=34
